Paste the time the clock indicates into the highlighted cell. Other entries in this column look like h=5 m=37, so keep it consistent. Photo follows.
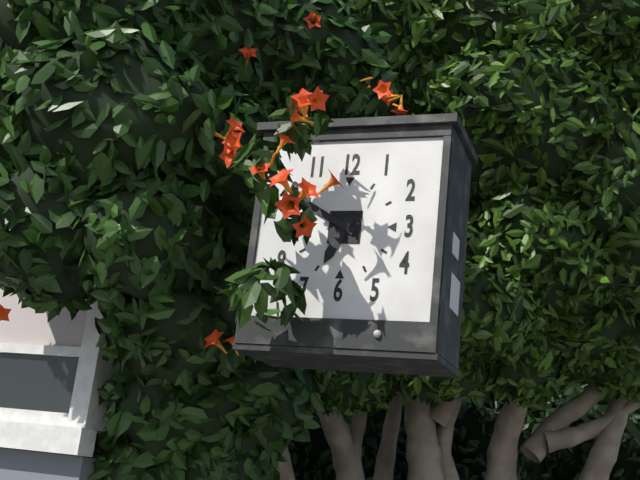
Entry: h=6 m=50
